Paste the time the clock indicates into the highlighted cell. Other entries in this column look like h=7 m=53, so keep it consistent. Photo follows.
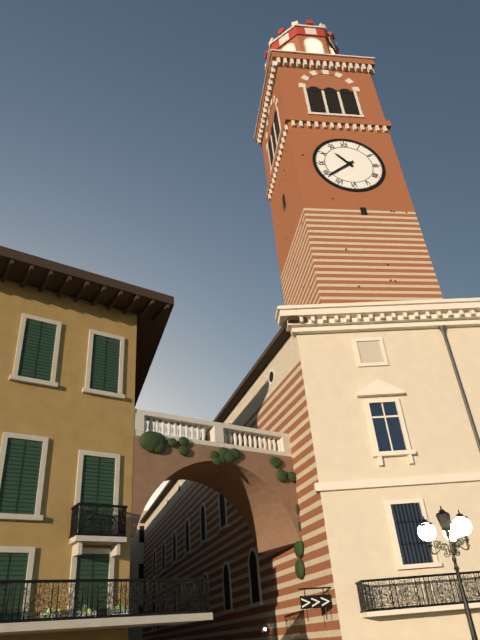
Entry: h=10 m=39
